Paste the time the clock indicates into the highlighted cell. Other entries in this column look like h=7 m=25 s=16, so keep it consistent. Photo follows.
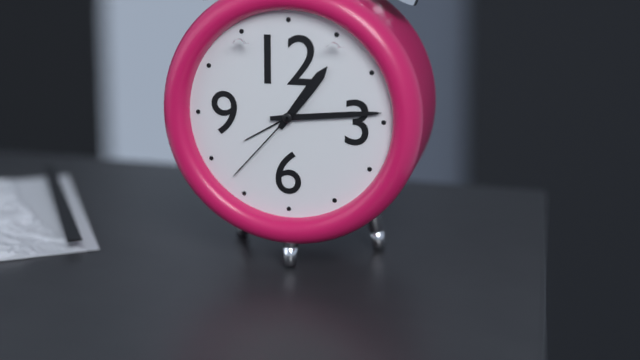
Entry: h=1 m=14 s=37
